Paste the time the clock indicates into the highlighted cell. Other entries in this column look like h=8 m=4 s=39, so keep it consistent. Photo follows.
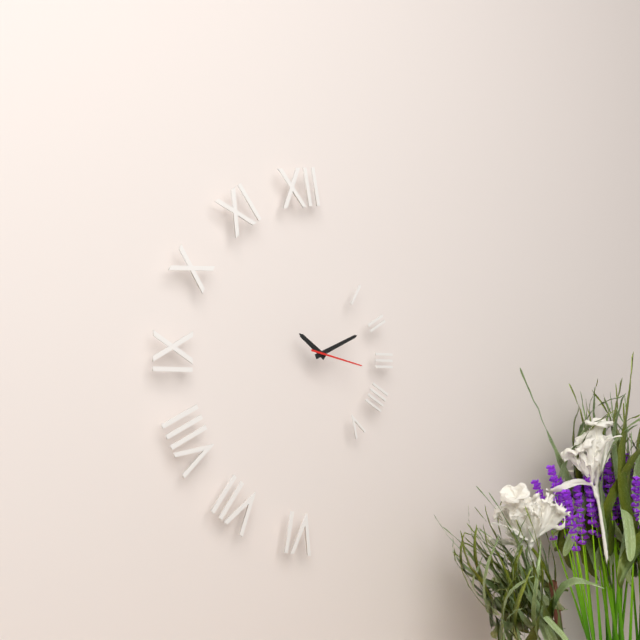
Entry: h=10 m=11 s=17
